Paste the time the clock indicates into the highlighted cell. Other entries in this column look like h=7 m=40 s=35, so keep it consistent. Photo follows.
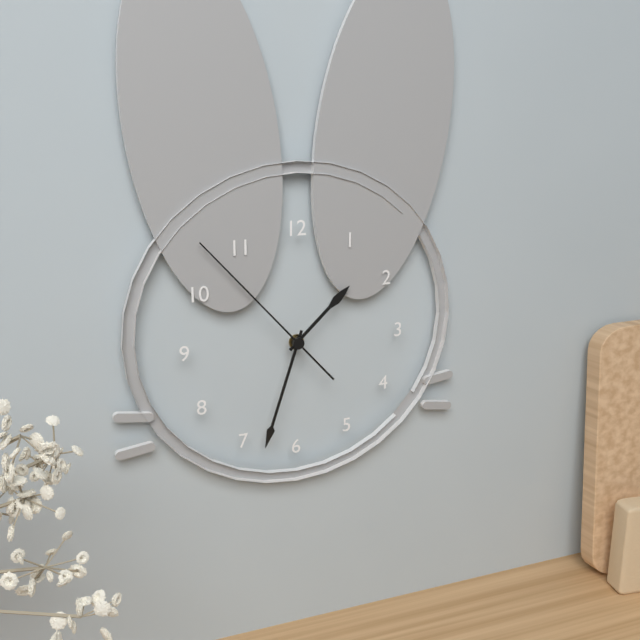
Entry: h=1 m=33 s=53
